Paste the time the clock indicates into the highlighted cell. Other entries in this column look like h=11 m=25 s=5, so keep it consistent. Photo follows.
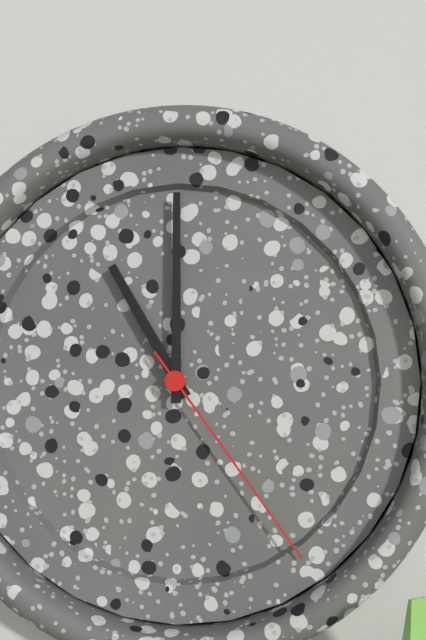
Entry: h=11 m=0 s=24
